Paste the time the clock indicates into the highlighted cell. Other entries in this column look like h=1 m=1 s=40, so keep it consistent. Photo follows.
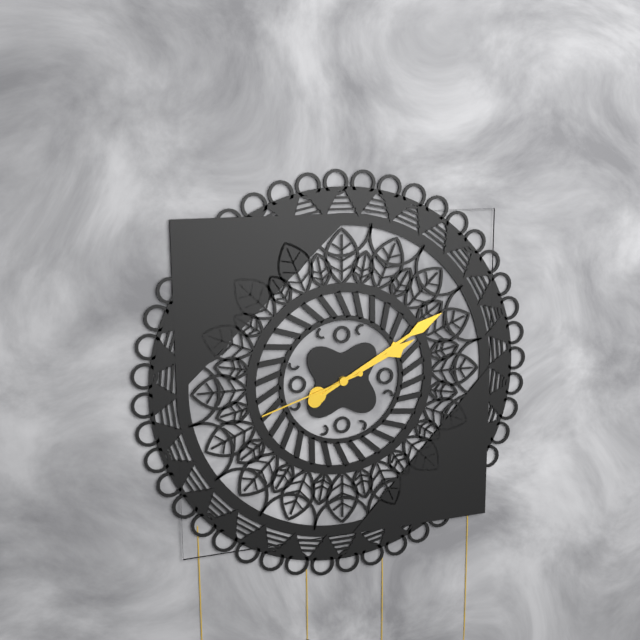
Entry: h=2 m=10 s=42
